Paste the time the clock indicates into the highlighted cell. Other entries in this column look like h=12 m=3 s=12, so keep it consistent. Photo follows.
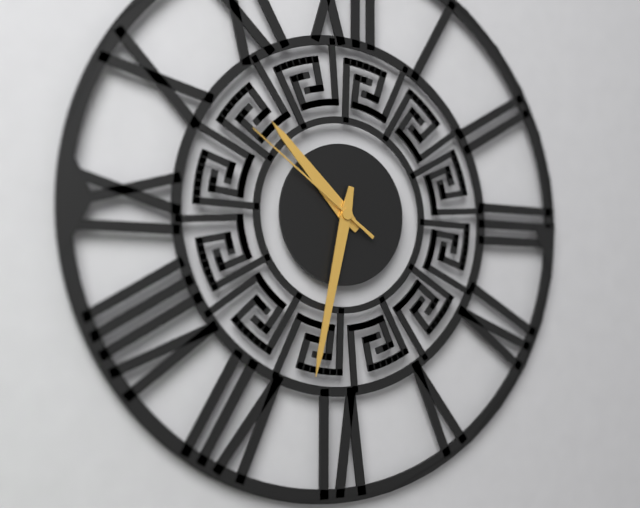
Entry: h=10 m=32 s=51
